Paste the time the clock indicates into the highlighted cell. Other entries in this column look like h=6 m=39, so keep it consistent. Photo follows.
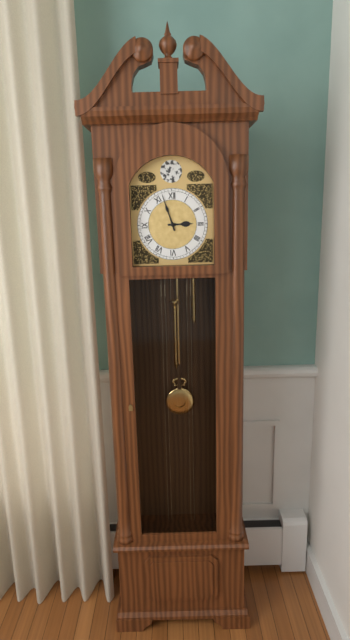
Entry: h=2 m=57
